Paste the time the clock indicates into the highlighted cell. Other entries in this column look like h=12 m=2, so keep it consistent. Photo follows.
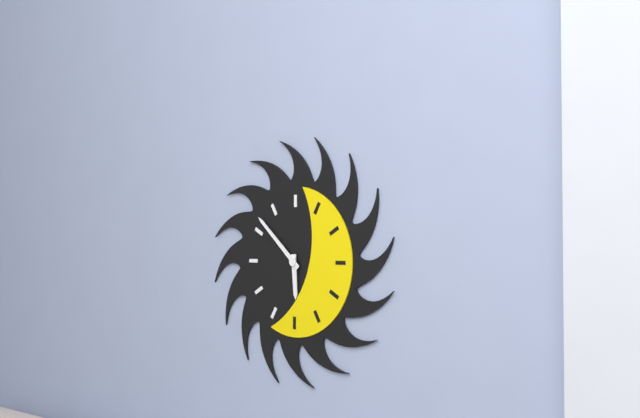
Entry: h=5 m=52
